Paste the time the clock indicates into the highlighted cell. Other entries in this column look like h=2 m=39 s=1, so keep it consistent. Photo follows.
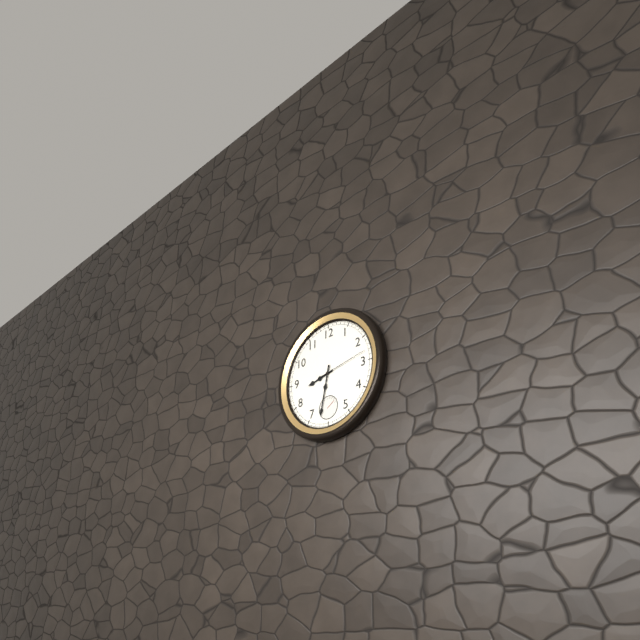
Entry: h=8 m=32 s=13
